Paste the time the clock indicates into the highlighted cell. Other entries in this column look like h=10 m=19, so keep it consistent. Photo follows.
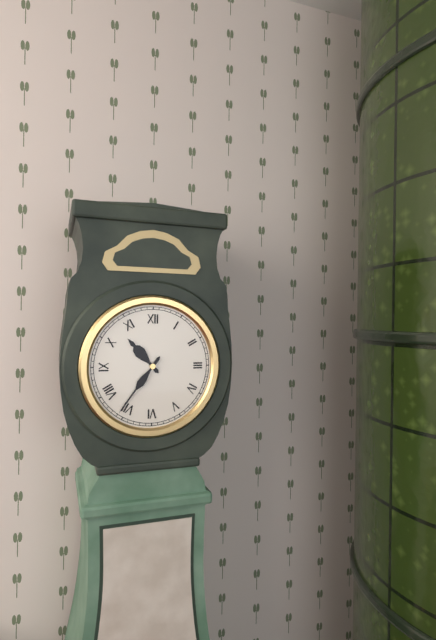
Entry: h=10 m=36
